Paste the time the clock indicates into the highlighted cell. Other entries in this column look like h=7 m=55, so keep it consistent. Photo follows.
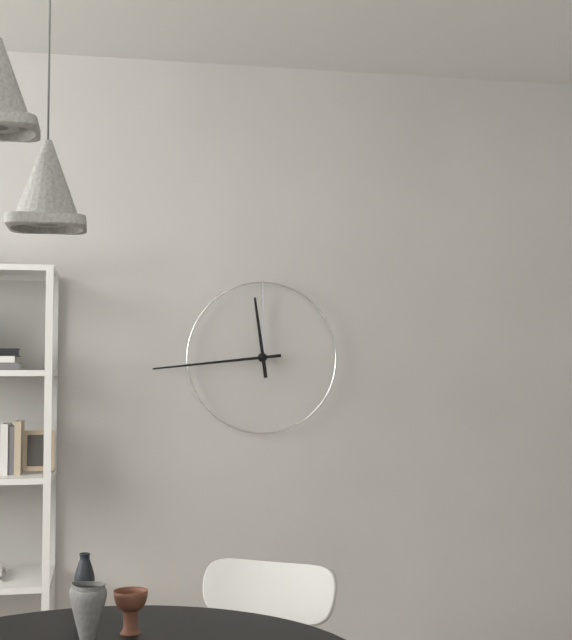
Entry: h=11 m=44
